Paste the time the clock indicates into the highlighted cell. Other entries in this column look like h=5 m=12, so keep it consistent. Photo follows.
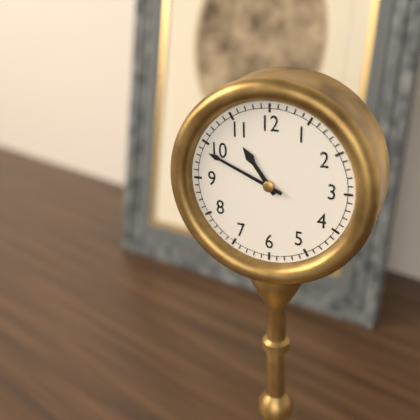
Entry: h=10 m=49
